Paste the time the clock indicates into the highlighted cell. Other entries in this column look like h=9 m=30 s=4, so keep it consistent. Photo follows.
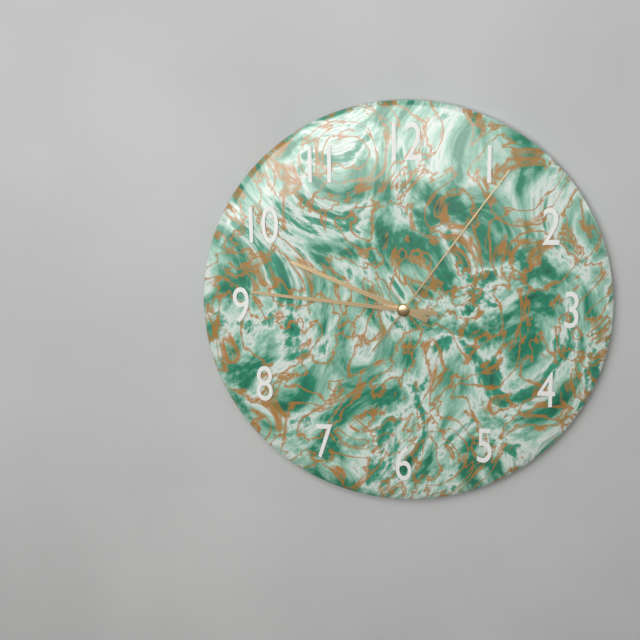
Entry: h=9 m=46 s=6
